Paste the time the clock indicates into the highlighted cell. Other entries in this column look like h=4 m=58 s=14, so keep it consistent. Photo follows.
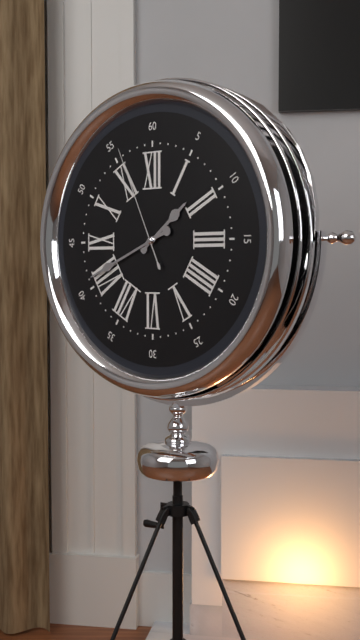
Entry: h=1 m=41 s=56
